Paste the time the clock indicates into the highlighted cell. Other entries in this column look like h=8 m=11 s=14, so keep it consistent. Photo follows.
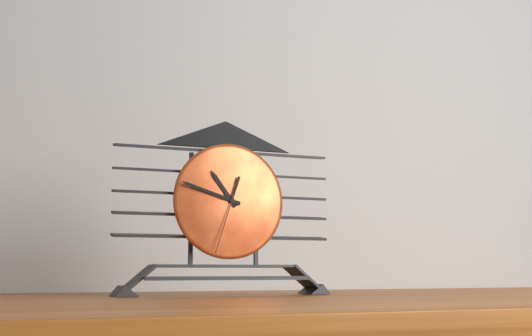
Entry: h=10 m=48 s=33
